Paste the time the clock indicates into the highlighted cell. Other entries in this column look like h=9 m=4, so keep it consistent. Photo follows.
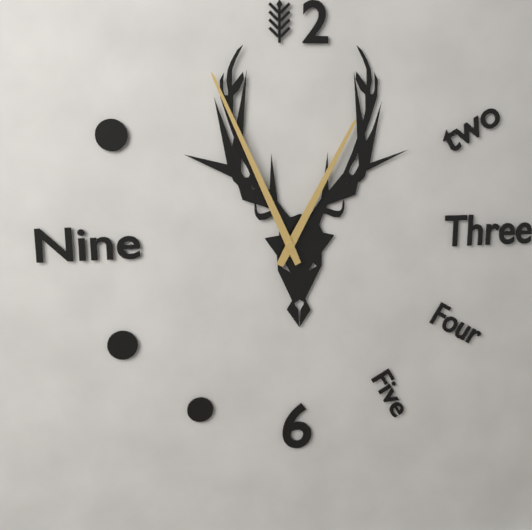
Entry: h=12 m=56
